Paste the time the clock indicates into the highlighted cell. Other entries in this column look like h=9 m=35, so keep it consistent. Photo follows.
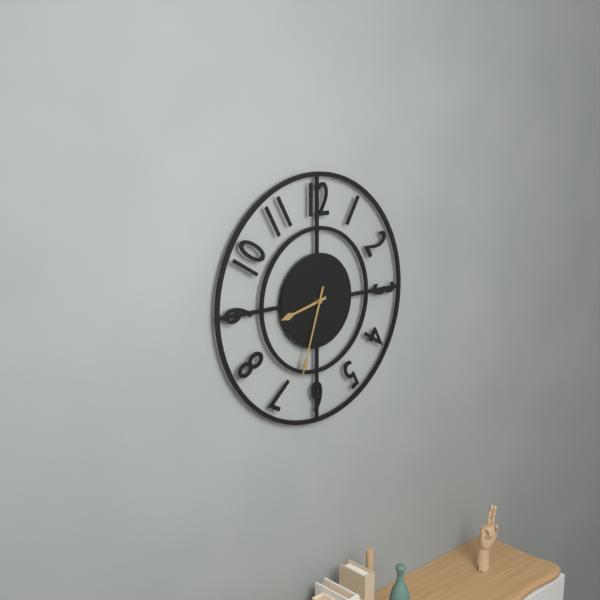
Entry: h=8 m=33
